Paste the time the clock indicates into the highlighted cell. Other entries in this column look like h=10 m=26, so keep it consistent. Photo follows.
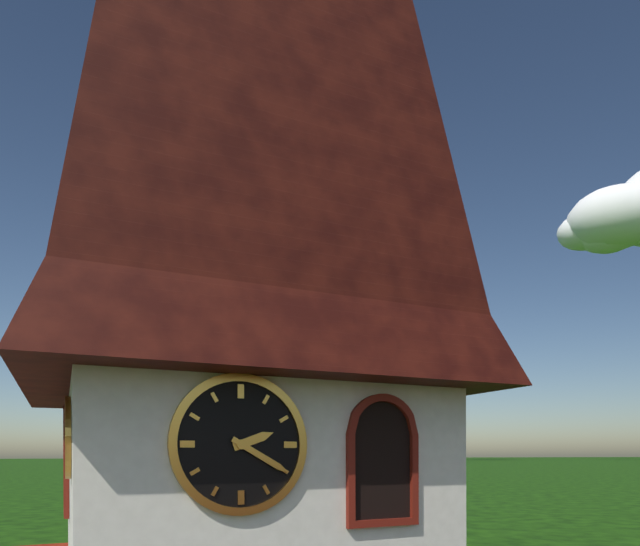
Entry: h=2 m=20
